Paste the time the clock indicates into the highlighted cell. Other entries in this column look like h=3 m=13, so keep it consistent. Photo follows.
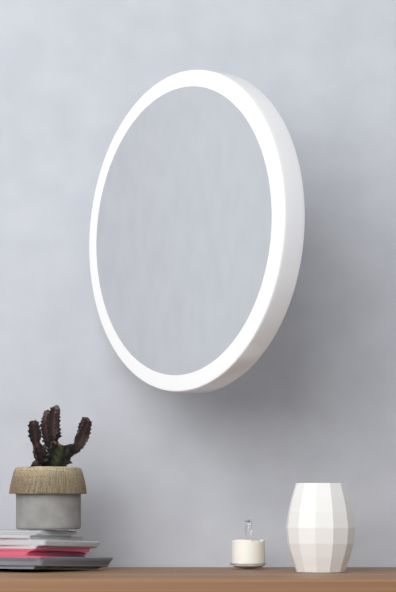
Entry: h=5 m=53
